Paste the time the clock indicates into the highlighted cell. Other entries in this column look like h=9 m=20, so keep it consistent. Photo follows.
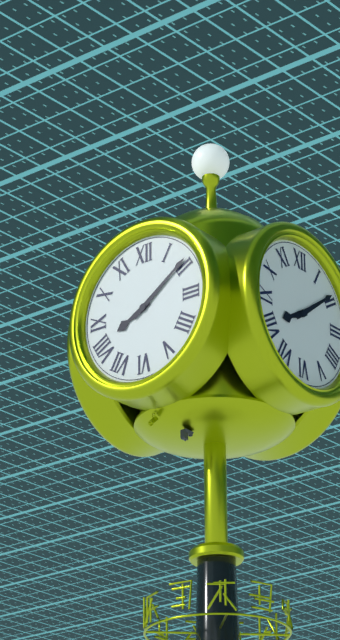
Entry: h=8 m=9
